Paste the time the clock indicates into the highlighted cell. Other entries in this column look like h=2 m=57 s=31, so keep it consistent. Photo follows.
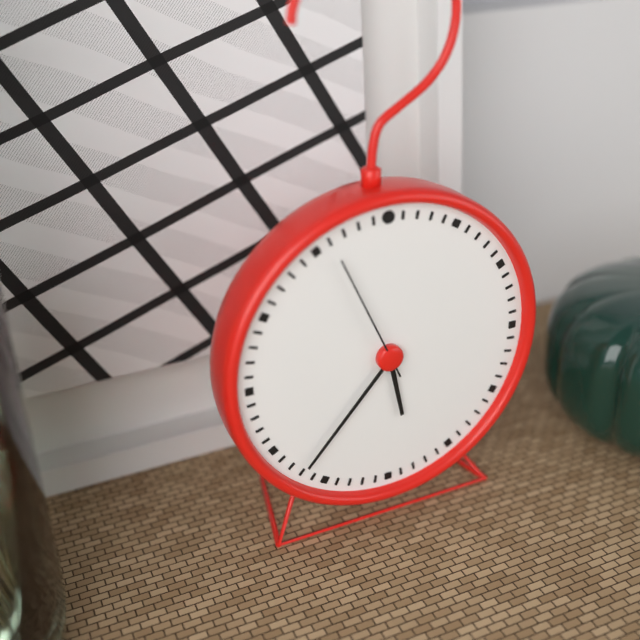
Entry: h=5 m=37 s=56
